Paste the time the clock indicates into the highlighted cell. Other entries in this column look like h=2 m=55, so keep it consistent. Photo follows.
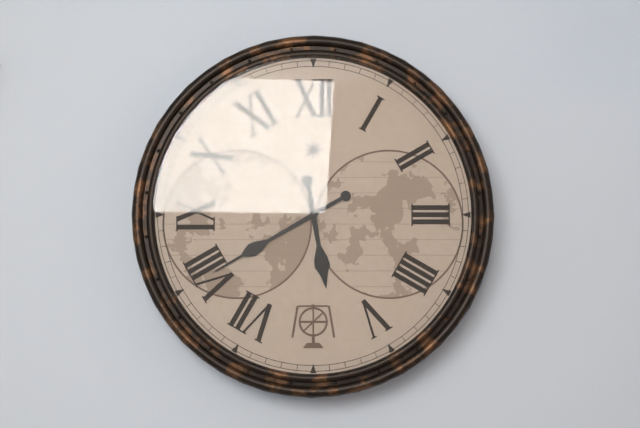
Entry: h=5 m=40
